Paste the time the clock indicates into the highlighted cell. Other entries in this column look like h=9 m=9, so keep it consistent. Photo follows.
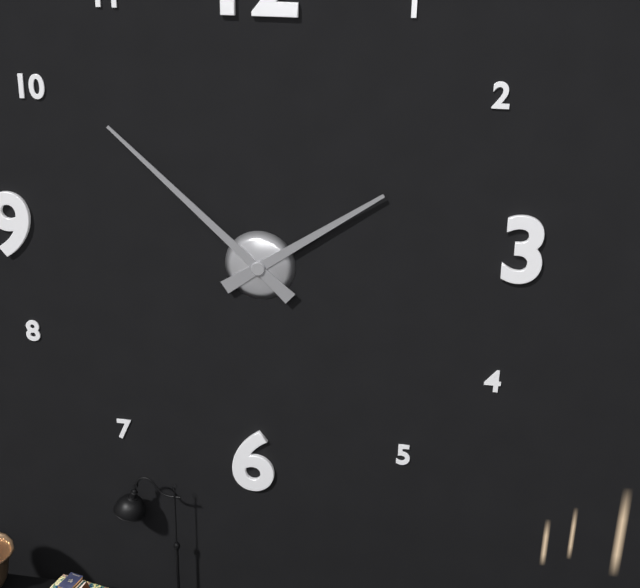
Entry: h=1 m=52
